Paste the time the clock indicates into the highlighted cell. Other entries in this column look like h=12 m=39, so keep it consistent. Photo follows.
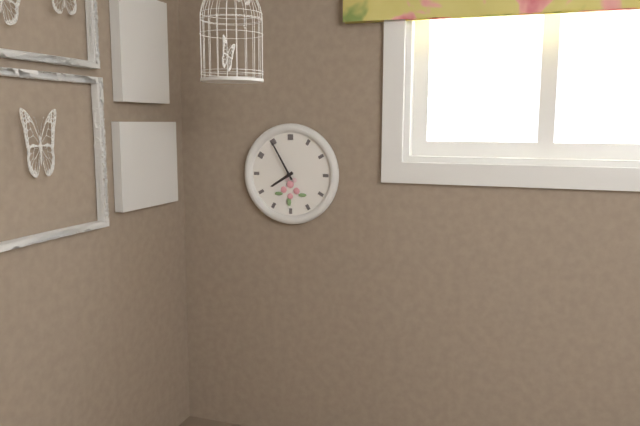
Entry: h=7 m=55
